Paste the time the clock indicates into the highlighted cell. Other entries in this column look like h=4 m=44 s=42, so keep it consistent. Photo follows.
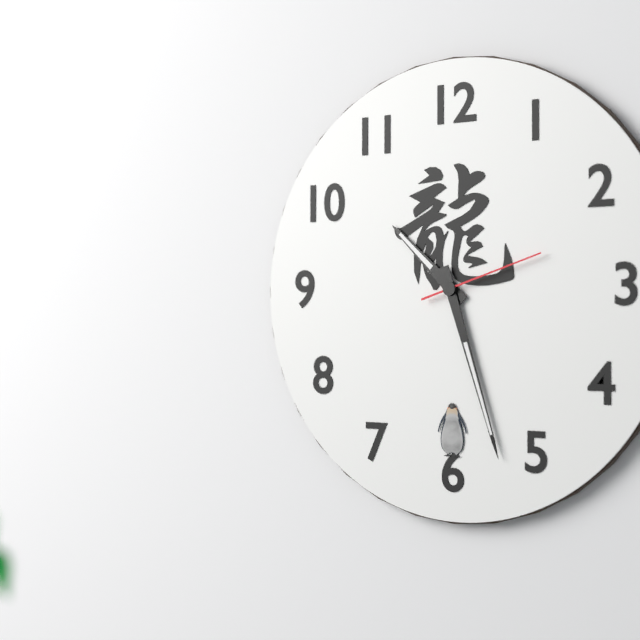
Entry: h=10 m=27 s=12
